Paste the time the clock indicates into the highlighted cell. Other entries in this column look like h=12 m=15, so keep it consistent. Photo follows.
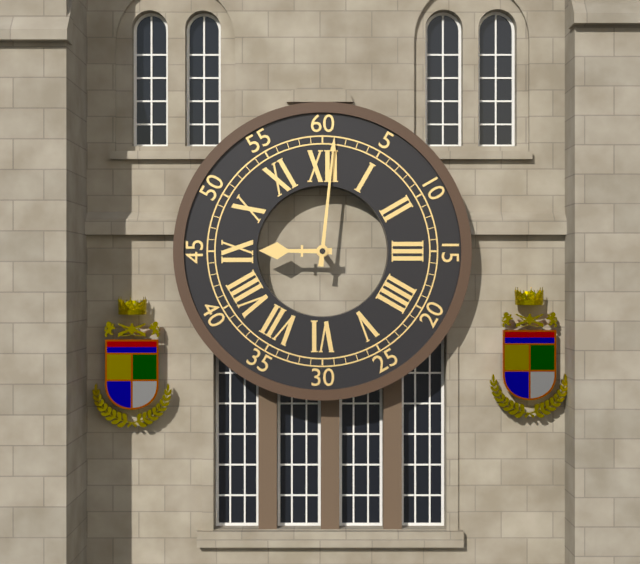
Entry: h=9 m=1
